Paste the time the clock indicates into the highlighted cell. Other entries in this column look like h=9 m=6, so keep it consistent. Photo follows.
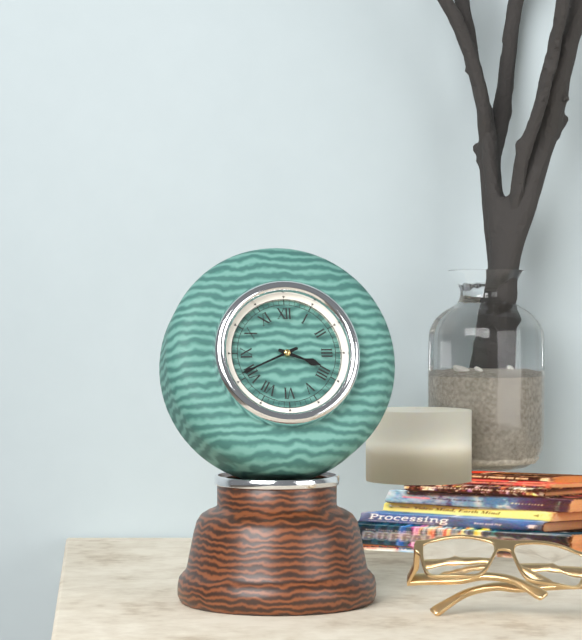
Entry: h=3 m=41
